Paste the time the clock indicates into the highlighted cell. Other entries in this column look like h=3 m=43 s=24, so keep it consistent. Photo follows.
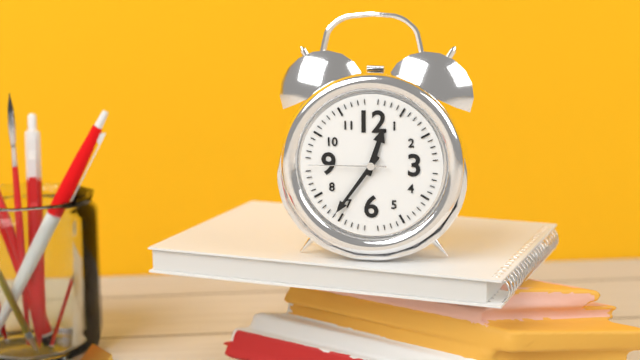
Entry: h=12 m=36 s=45
